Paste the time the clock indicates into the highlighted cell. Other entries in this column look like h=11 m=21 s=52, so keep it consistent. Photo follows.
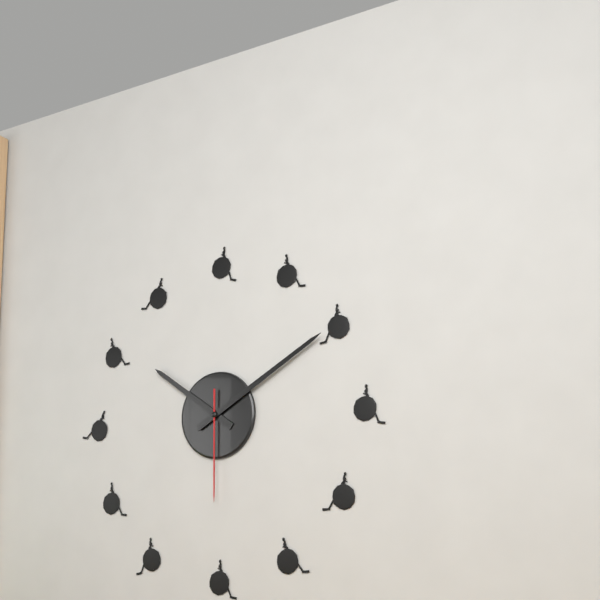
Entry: h=10 m=10 s=30
